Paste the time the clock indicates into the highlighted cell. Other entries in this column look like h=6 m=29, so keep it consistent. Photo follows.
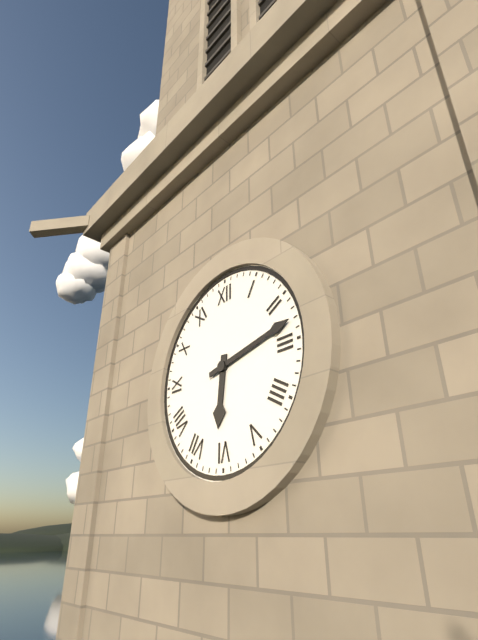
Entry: h=6 m=13
